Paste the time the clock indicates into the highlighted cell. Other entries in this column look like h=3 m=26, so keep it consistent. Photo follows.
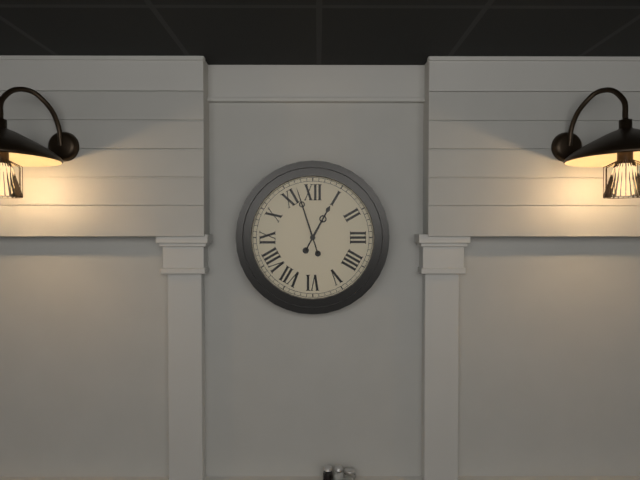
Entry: h=12 m=57
